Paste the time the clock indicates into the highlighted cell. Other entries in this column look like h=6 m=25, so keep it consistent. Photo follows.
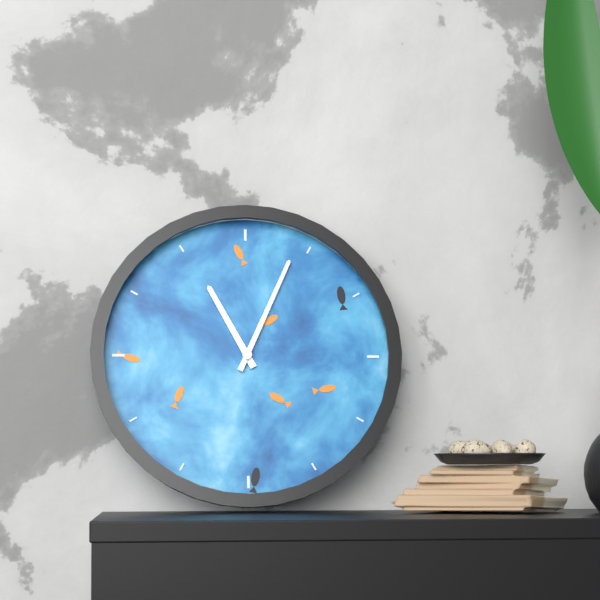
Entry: h=11 m=4
